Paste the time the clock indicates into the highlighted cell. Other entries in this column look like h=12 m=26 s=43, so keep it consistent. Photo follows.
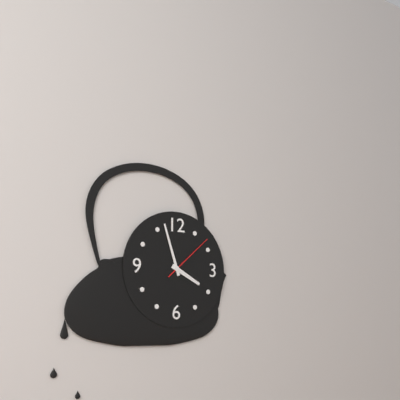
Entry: h=3 m=57 s=8
